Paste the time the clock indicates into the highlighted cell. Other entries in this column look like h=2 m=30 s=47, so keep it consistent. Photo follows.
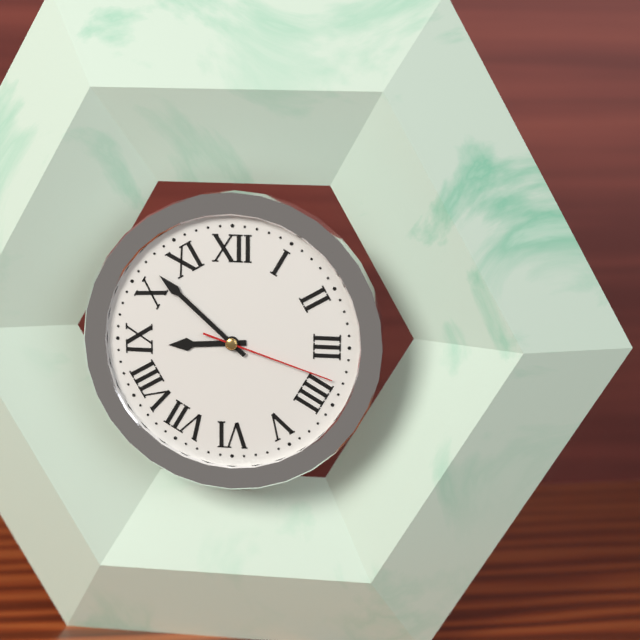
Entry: h=8 m=52 s=18
